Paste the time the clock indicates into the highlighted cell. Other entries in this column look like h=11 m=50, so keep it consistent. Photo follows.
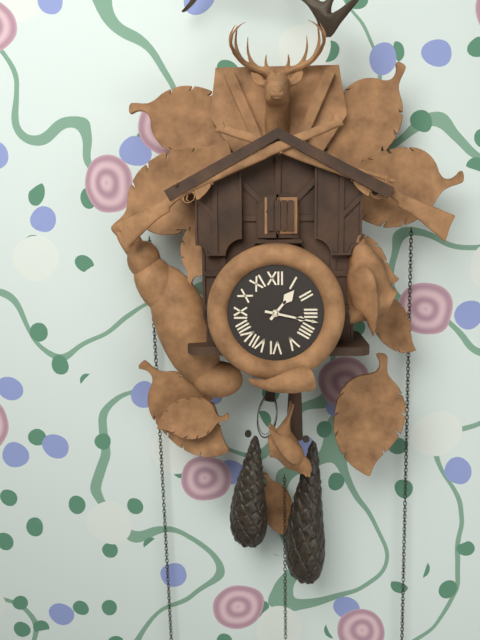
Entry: h=1 m=17
